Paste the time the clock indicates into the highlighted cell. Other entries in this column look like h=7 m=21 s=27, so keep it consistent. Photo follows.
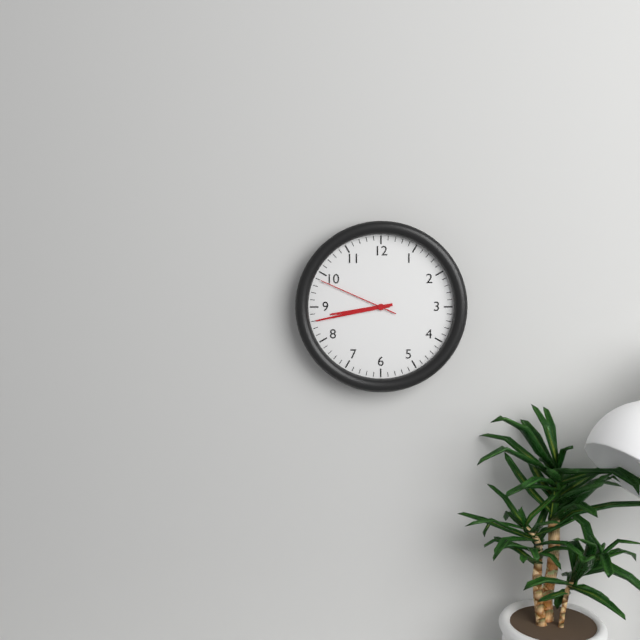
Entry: h=8 m=43 s=49
